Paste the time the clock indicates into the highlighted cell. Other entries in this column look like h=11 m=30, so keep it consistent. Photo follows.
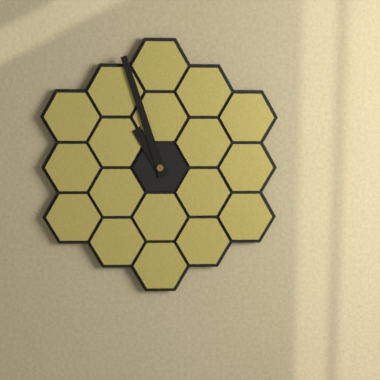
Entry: h=10 m=57
